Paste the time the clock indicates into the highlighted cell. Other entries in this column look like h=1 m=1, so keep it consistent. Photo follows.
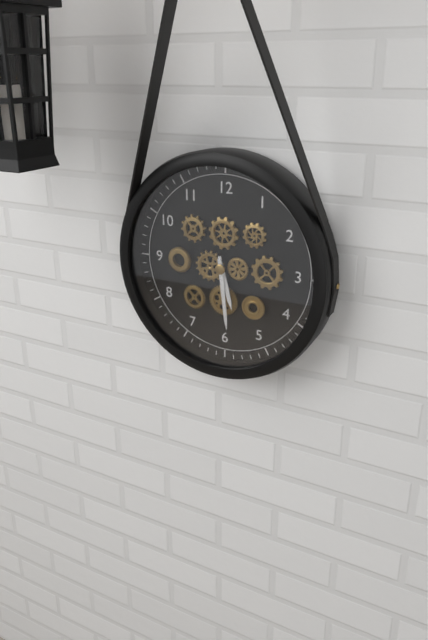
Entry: h=5 m=29
